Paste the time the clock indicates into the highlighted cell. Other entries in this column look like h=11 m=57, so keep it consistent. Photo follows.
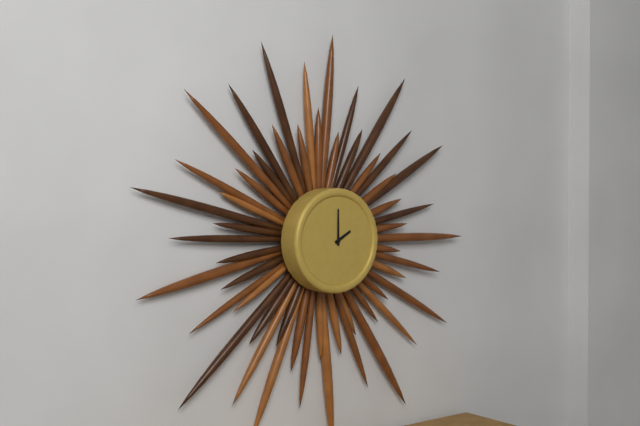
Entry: h=2 m=0
